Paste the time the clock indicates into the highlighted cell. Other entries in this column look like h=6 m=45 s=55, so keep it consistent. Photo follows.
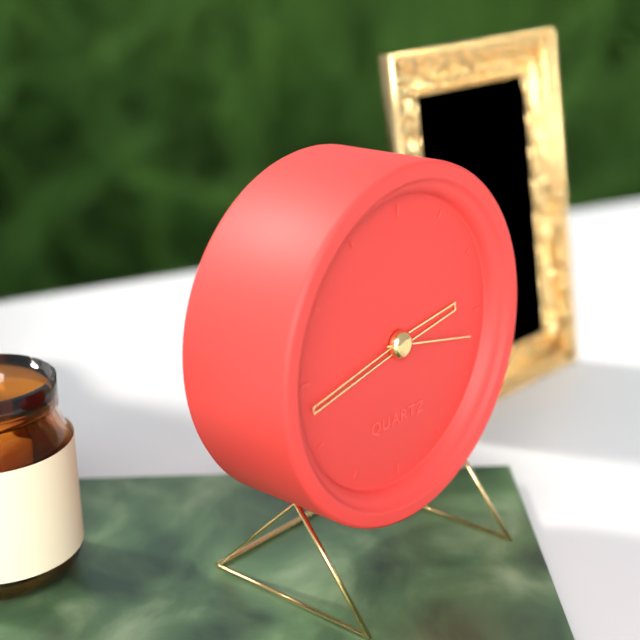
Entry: h=2 m=43 s=17
